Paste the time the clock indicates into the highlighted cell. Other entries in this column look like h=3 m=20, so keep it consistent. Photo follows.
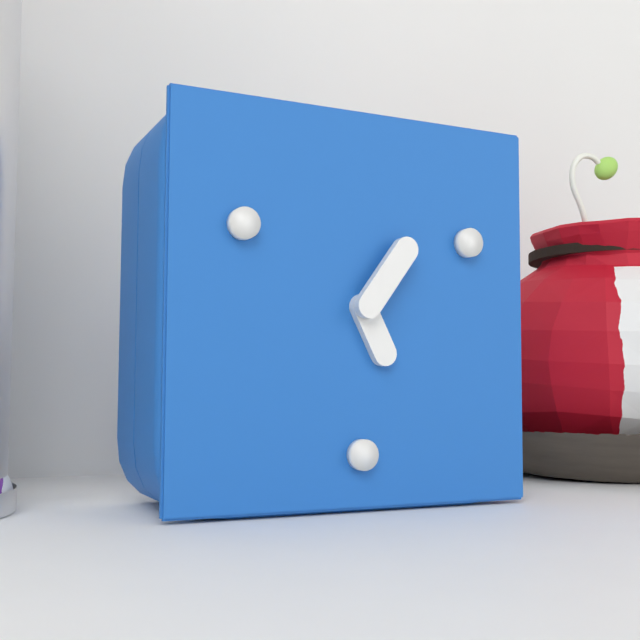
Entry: h=5 m=6
